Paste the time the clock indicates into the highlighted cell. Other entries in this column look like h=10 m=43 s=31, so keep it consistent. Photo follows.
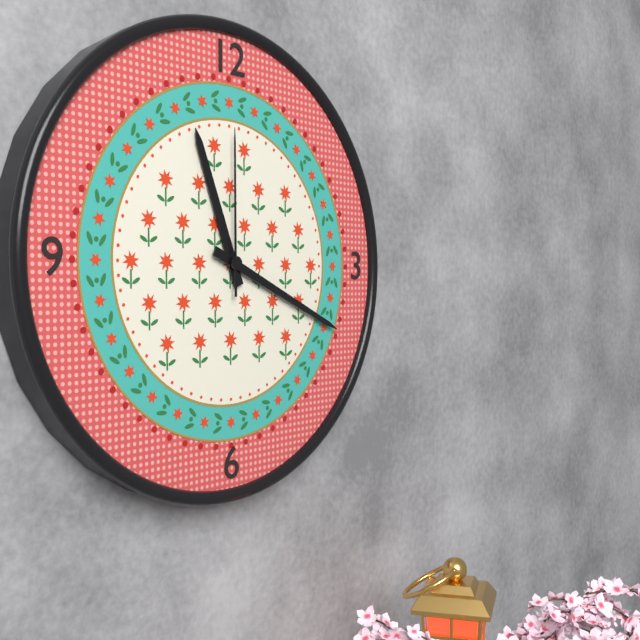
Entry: h=11 m=19 s=0
